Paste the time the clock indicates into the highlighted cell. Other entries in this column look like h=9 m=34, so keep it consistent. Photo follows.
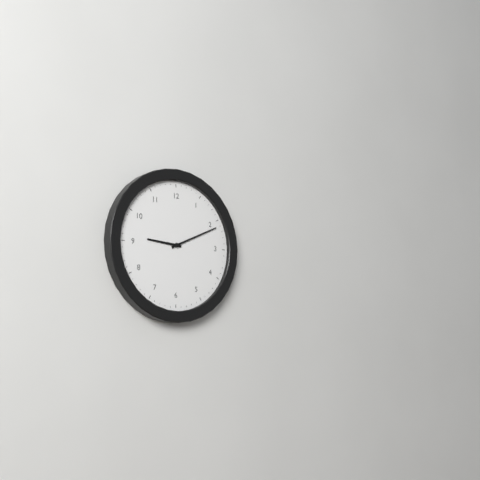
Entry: h=9 m=11
